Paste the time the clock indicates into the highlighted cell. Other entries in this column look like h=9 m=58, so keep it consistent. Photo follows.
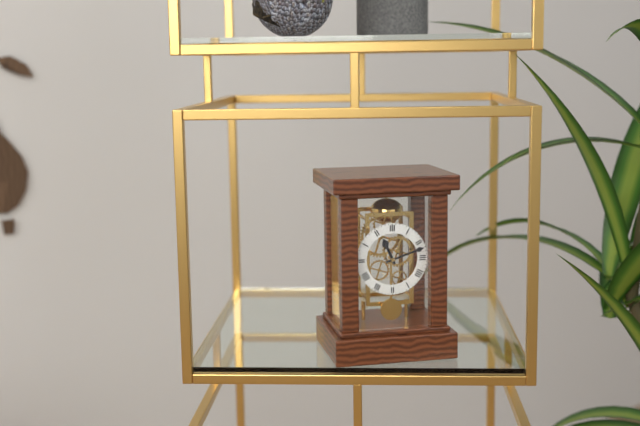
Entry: h=11 m=12
